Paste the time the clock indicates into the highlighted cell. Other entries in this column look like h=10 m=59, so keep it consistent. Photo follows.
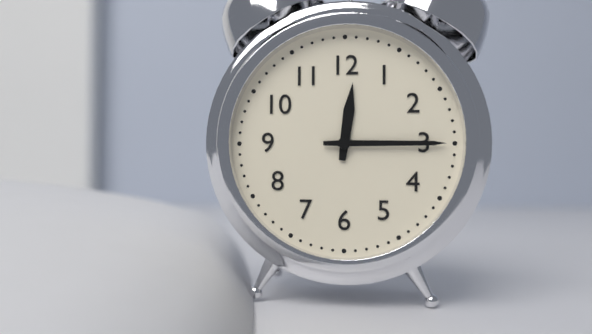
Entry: h=12 m=15
